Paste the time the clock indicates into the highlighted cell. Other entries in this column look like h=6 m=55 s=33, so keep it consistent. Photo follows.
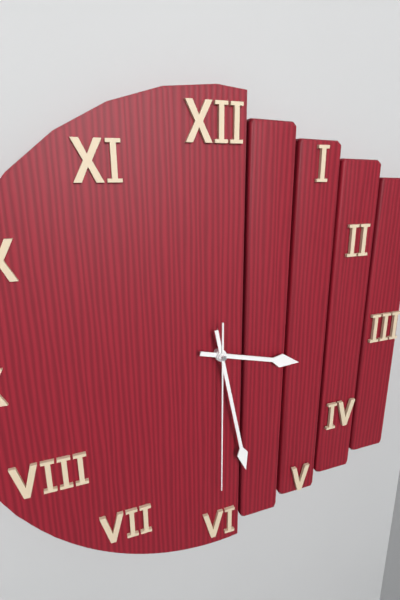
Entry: h=3 m=28 s=30
